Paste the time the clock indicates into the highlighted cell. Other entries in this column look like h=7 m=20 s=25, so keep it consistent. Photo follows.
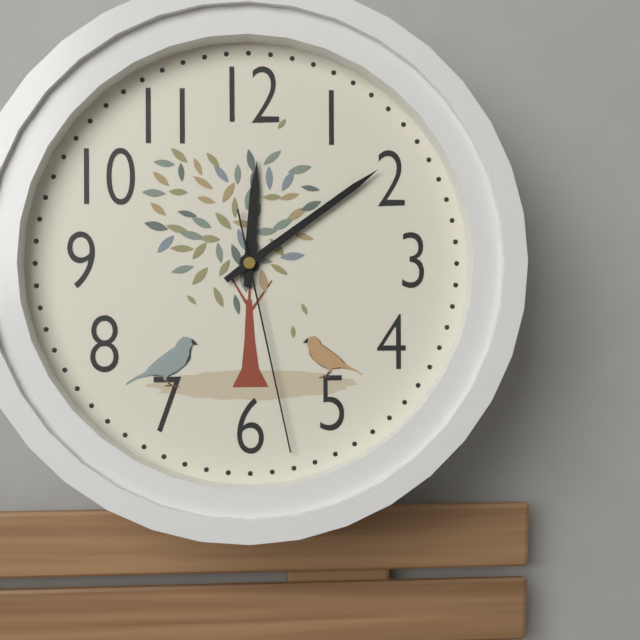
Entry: h=12 m=9 s=28
